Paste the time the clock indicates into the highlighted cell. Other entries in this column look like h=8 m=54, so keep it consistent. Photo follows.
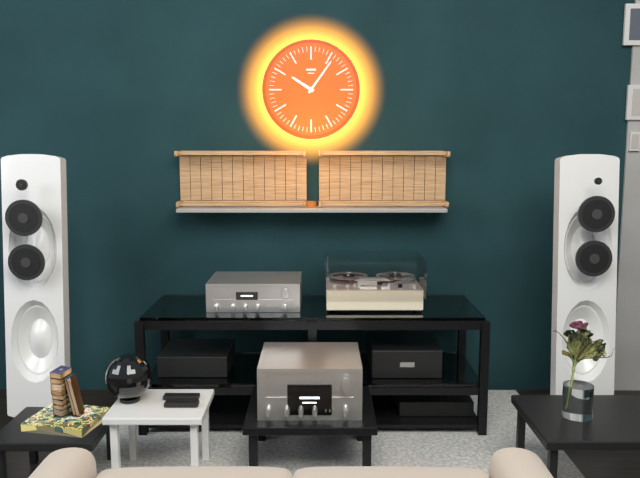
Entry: h=10 m=6
